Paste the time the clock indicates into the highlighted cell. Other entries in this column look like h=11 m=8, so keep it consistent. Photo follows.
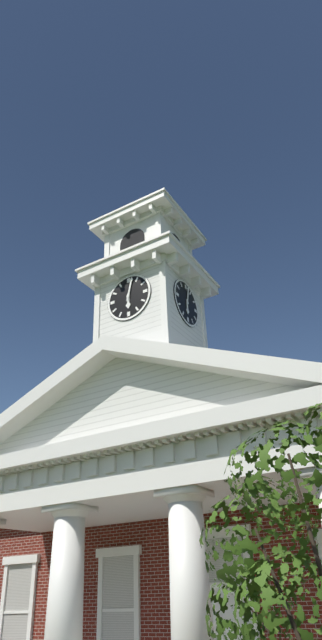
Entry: h=6 m=2
